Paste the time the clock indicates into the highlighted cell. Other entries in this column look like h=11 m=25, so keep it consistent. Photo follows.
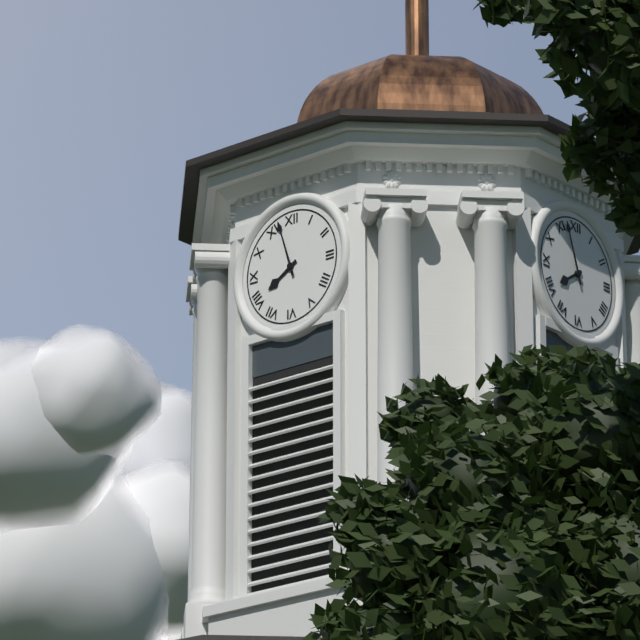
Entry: h=7 m=57
